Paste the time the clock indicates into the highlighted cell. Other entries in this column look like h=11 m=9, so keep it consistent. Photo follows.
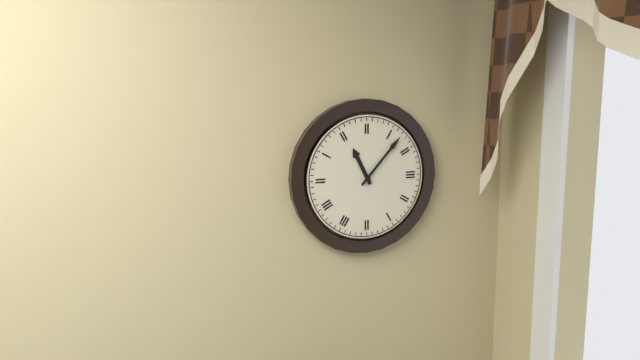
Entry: h=11 m=7
